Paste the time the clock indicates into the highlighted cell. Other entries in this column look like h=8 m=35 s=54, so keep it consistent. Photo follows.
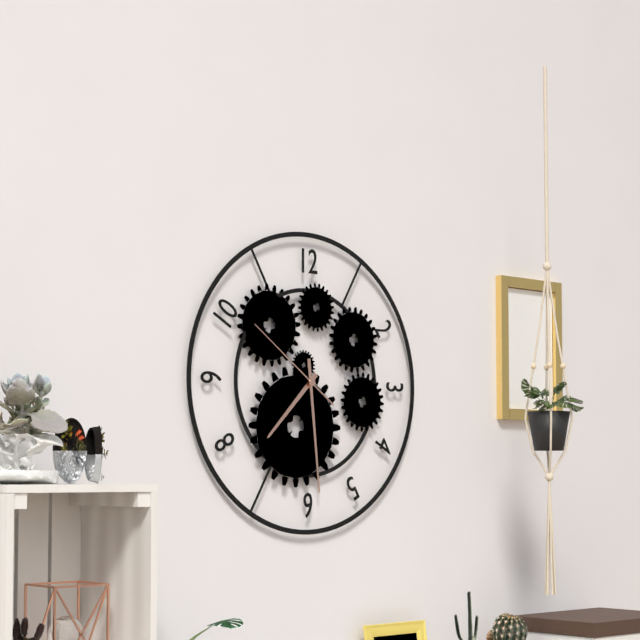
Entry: h=7 m=29 s=51
